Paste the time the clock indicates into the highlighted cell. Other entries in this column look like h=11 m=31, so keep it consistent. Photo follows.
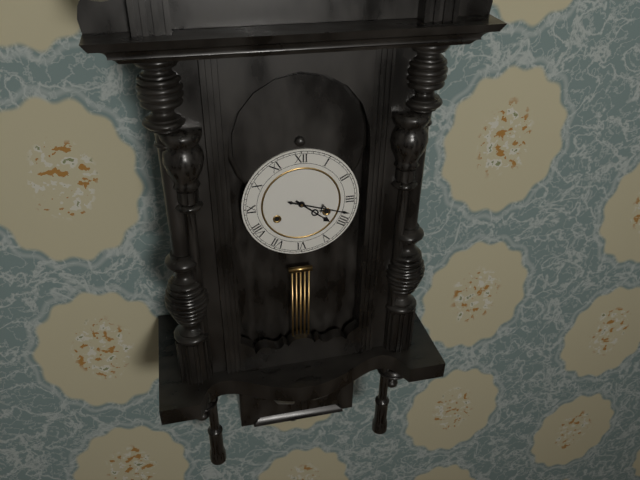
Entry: h=4 m=18
